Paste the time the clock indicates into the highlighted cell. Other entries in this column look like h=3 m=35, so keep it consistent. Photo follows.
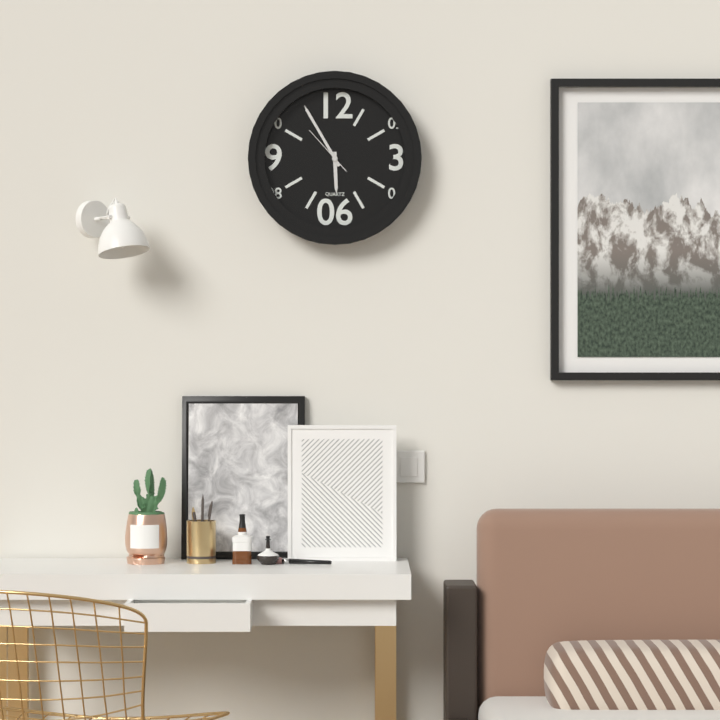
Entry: h=5 m=55
